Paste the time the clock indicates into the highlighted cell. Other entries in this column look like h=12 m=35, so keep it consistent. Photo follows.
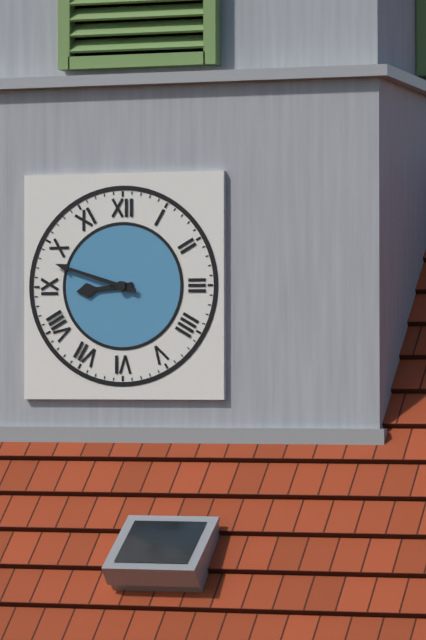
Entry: h=8 m=48
